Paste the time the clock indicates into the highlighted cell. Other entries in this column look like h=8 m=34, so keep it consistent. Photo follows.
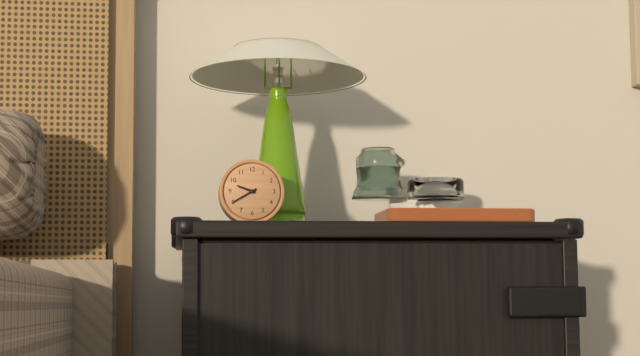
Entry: h=9 m=40
